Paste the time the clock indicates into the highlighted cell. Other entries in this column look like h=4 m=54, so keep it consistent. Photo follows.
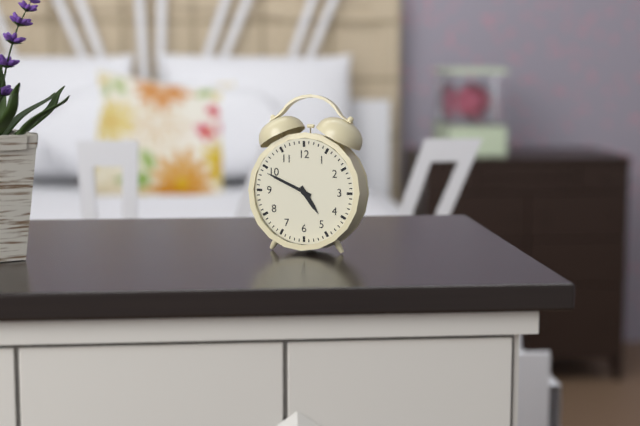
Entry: h=4 m=49
